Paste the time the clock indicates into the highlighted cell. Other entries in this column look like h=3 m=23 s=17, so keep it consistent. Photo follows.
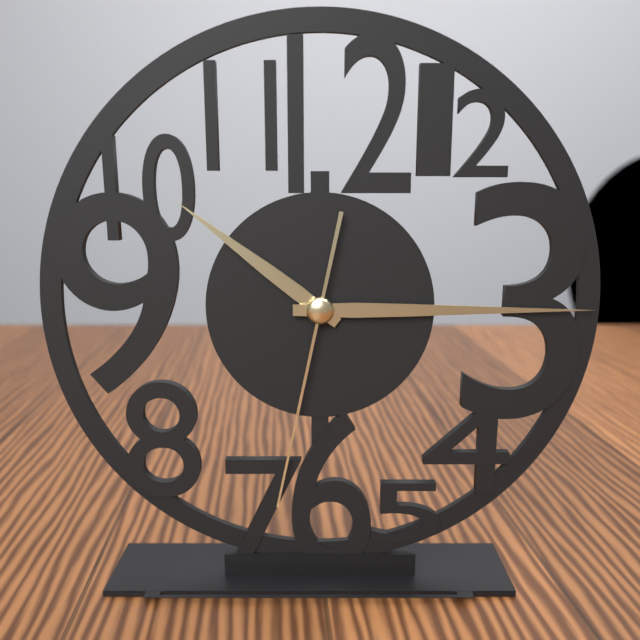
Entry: h=10 m=15 s=32
